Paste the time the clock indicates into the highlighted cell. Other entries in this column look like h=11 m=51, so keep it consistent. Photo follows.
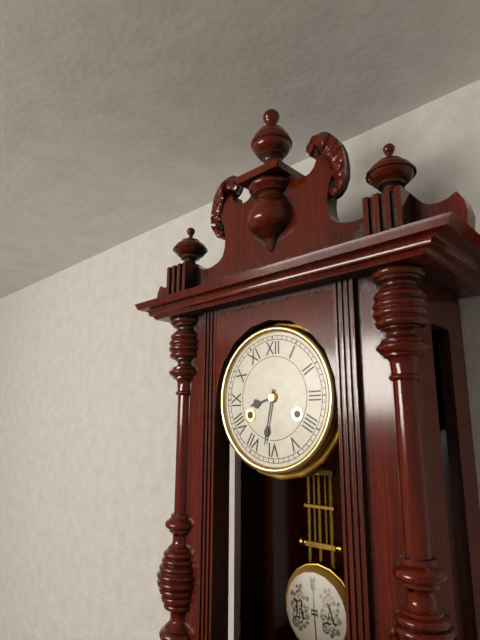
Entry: h=8 m=32
